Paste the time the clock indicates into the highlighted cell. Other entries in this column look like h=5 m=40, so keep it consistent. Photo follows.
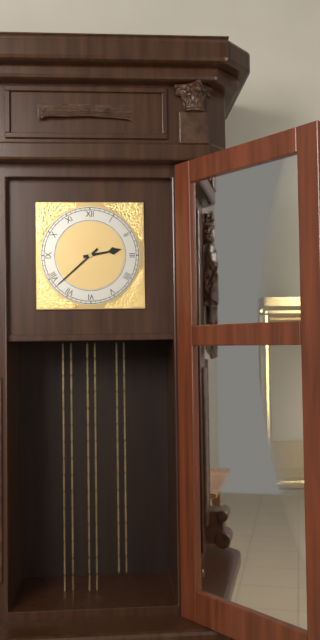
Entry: h=2 m=38
